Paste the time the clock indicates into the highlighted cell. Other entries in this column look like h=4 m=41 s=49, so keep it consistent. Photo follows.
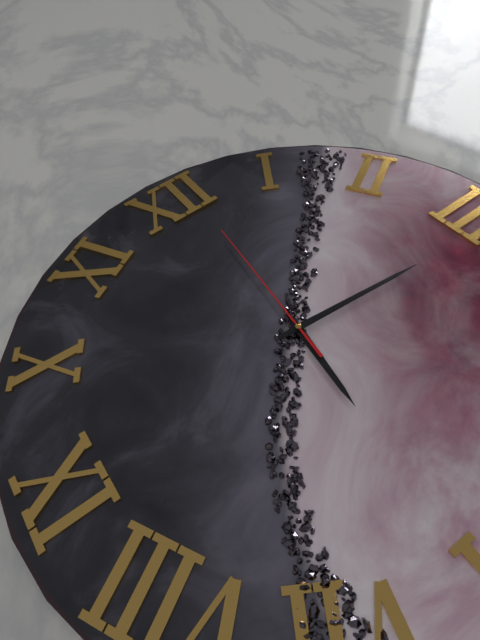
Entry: h=6 m=16 s=1
